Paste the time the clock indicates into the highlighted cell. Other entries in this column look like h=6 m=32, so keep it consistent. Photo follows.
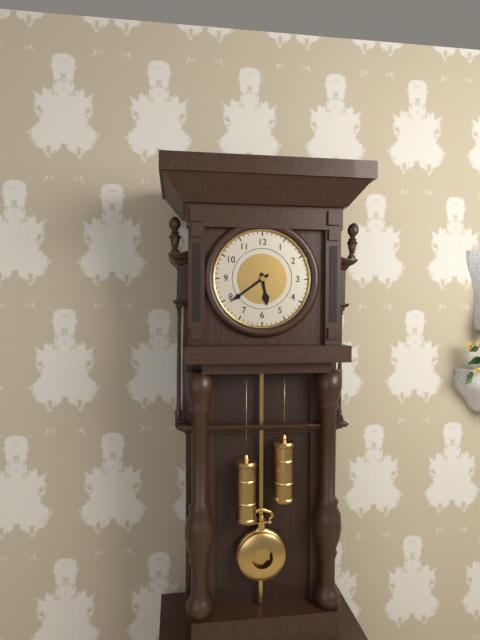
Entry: h=5 m=39
